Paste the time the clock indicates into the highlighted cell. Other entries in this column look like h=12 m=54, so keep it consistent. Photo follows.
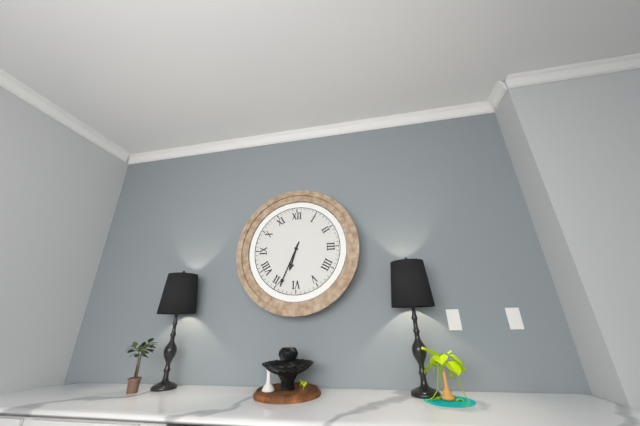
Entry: h=6 m=34
